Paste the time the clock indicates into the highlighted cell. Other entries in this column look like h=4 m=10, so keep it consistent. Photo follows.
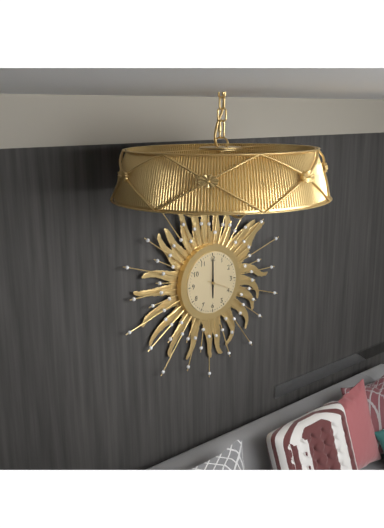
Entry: h=6 m=0
